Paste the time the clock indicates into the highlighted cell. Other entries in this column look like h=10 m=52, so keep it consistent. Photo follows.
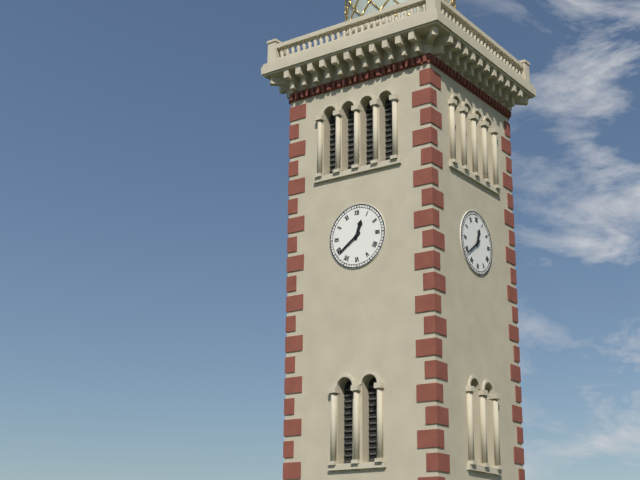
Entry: h=12 m=39
